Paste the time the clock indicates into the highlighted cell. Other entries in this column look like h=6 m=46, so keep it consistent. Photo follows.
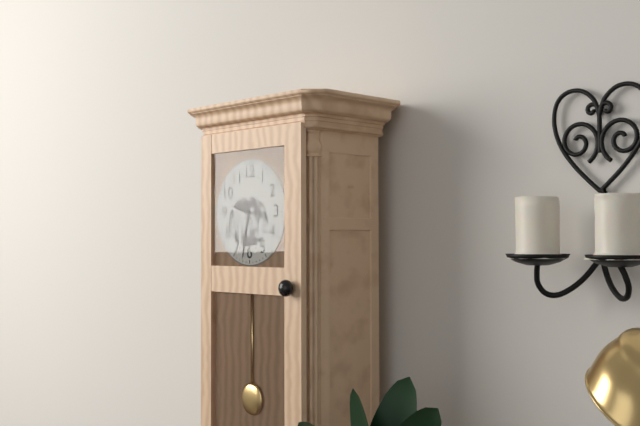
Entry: h=9 m=32
